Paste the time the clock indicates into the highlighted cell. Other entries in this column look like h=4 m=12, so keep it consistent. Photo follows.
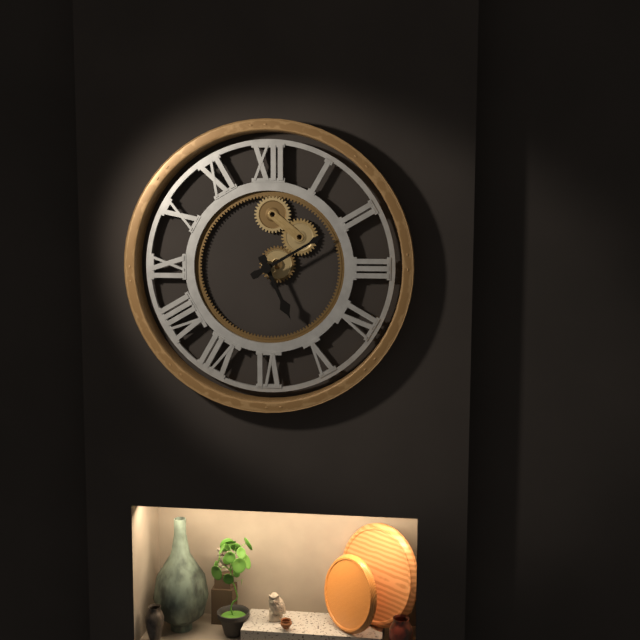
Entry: h=5 m=10
